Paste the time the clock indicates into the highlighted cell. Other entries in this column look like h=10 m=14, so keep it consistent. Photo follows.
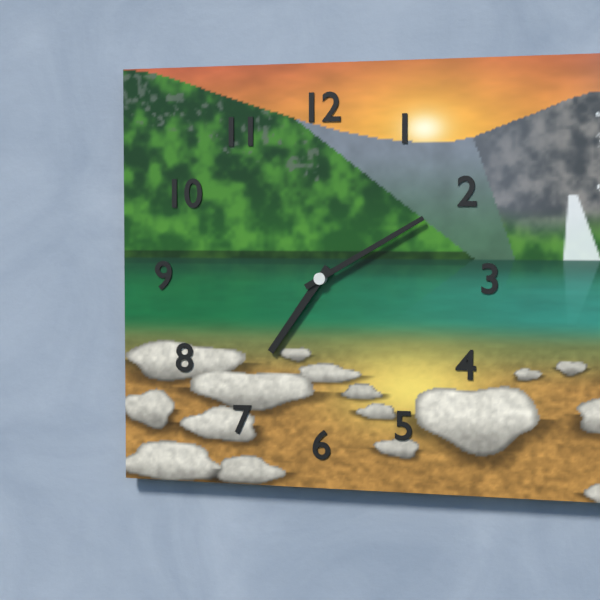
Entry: h=7 m=10
